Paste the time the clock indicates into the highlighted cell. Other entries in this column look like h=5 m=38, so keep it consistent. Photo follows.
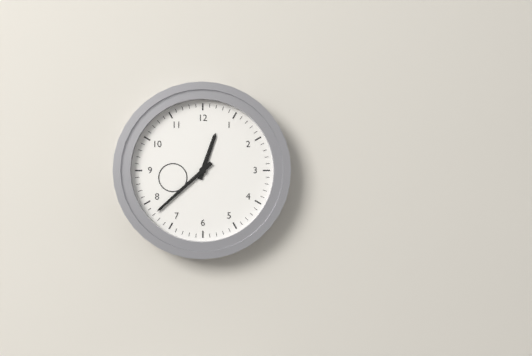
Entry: h=12 m=38
